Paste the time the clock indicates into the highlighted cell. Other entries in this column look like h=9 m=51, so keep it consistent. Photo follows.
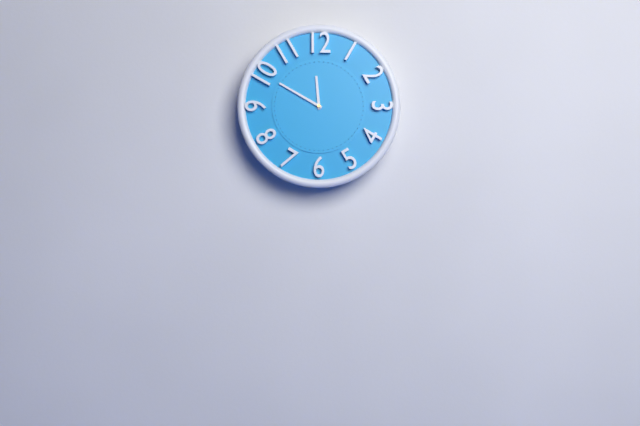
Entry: h=11 m=50
